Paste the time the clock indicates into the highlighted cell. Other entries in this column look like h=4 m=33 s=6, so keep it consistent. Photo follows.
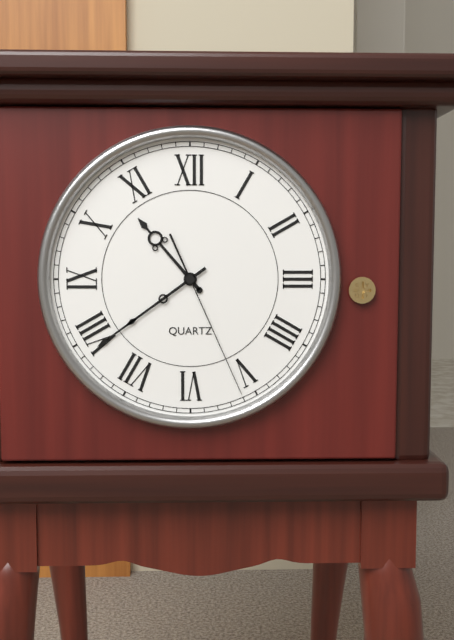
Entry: h=10 m=39 s=26
